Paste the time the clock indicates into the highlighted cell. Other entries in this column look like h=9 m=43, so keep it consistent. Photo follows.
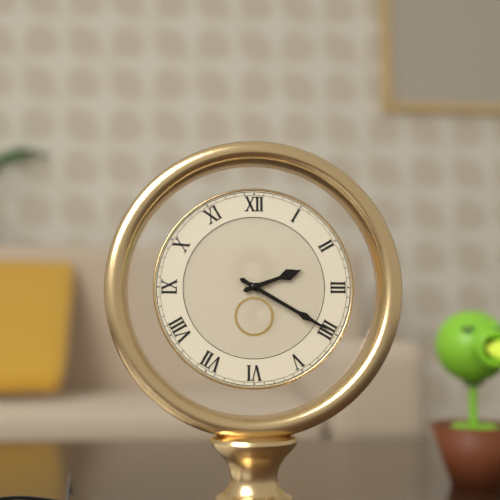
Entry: h=2 m=20
